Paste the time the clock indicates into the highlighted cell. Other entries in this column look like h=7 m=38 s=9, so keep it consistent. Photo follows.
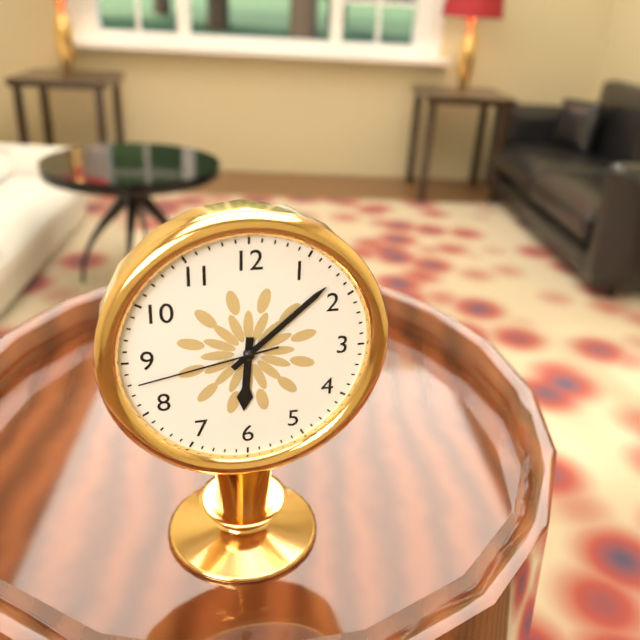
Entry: h=6 m=8 s=43
